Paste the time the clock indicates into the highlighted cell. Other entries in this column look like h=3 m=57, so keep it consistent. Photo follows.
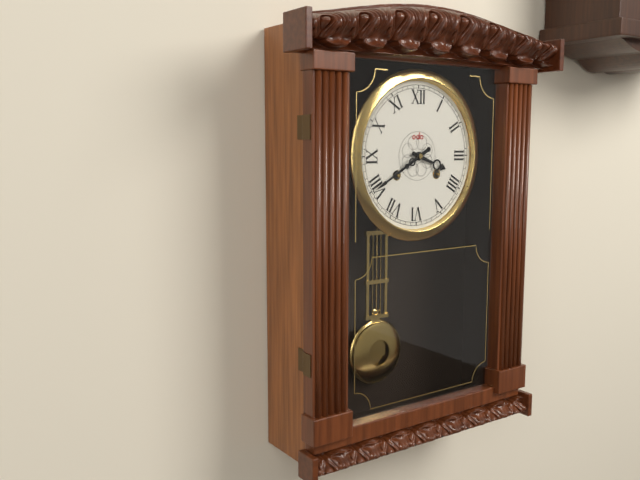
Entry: h=3 m=40
